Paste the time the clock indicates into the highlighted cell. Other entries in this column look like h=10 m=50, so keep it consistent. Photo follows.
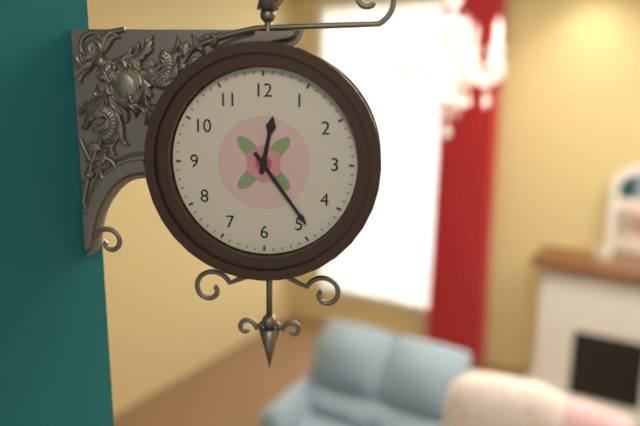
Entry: h=12 m=24
